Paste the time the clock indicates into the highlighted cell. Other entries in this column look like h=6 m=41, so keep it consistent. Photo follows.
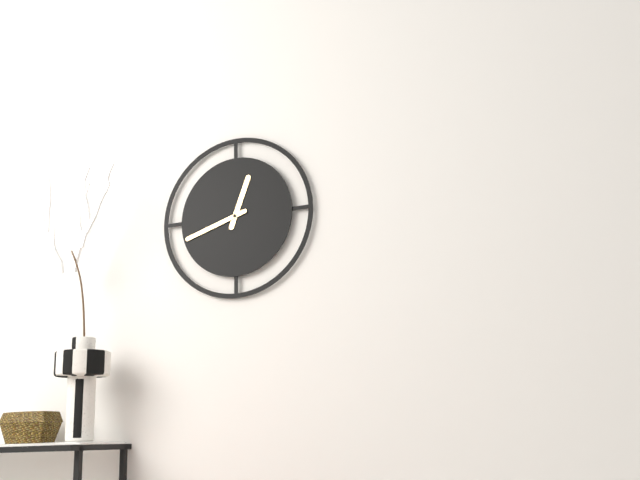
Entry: h=12 m=42
